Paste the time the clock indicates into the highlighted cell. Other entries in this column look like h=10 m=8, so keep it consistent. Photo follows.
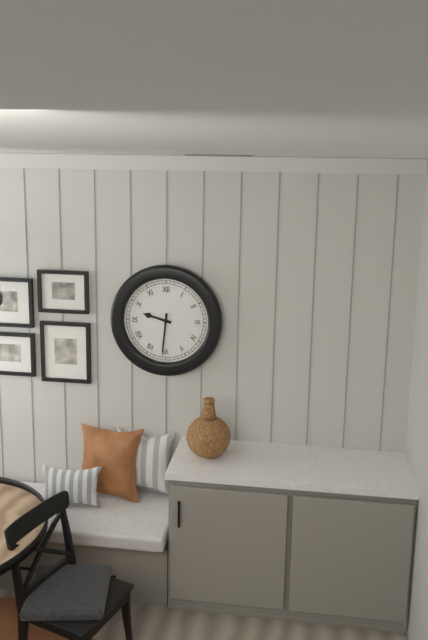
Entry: h=9 m=31
